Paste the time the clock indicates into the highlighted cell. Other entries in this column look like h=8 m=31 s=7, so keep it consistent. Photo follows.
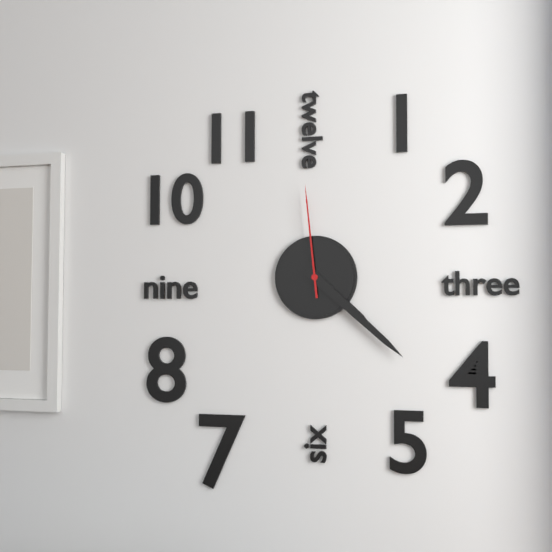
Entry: h=4 m=22 s=59
